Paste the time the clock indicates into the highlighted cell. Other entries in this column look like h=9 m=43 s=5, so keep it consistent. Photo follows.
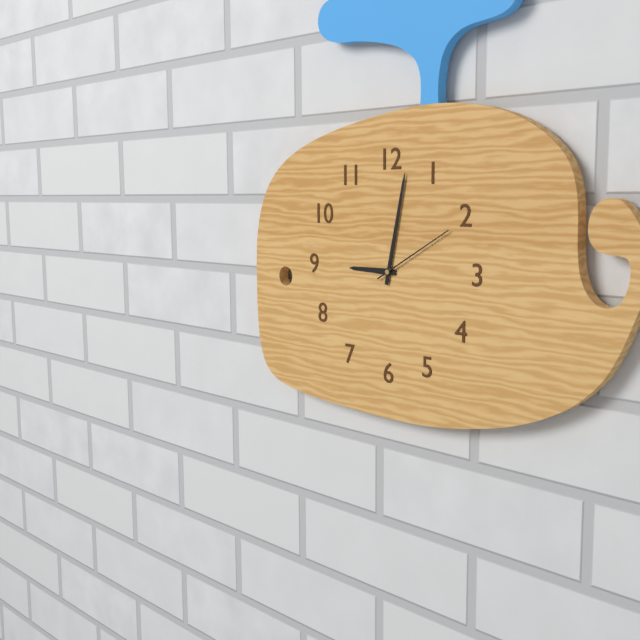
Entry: h=9 m=2 s=10
